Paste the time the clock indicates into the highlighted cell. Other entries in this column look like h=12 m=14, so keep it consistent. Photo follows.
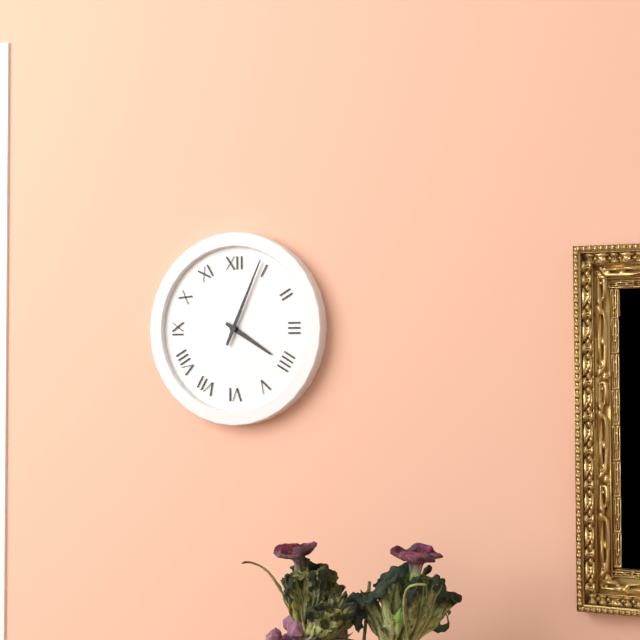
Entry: h=4 m=4
